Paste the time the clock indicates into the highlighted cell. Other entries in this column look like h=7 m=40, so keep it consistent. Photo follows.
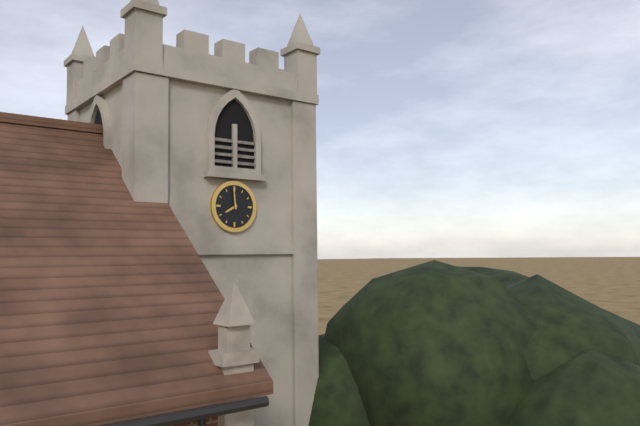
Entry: h=7 m=59
